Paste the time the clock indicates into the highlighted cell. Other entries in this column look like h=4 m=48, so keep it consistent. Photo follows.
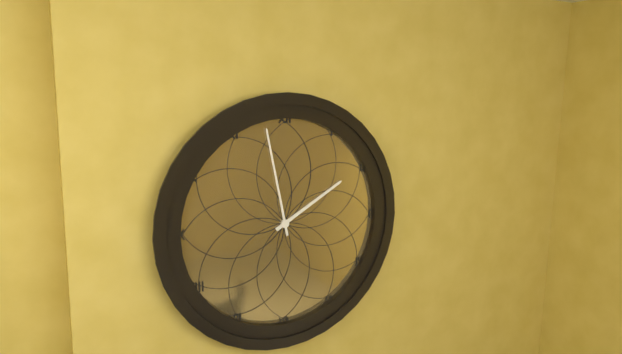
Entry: h=1 m=58
